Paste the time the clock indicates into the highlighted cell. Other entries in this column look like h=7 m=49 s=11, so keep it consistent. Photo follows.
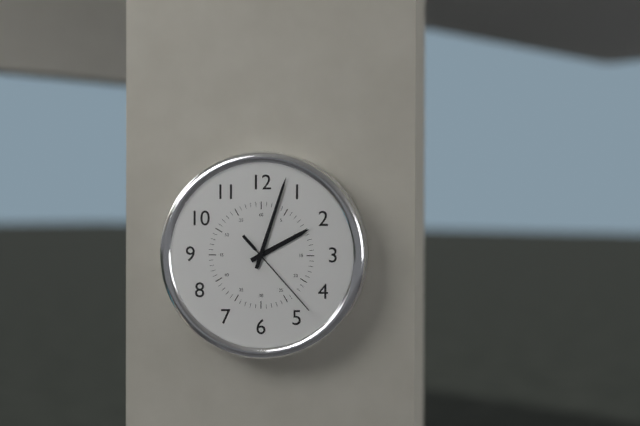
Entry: h=2 m=3 s=23
